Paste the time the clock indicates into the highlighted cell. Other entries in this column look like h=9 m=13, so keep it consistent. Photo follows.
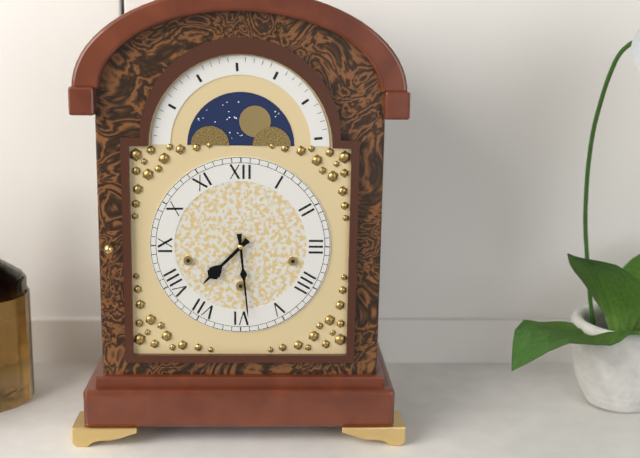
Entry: h=7 m=29
